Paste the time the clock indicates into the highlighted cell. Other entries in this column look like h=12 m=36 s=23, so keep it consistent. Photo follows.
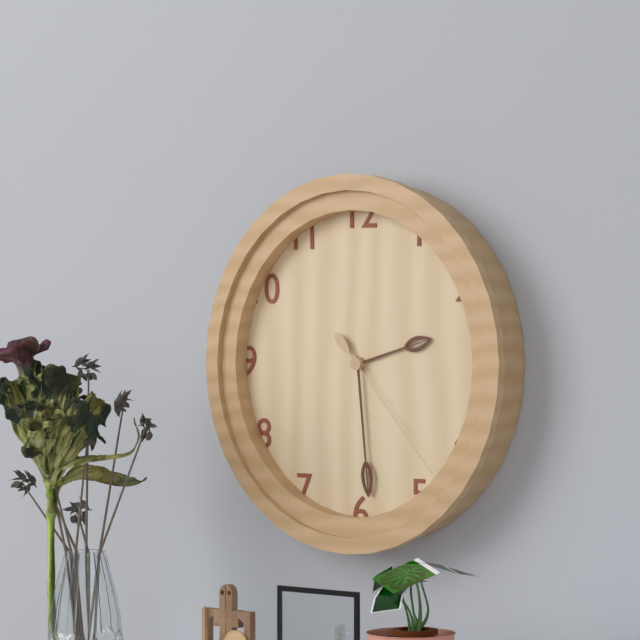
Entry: h=2 m=29 s=23
